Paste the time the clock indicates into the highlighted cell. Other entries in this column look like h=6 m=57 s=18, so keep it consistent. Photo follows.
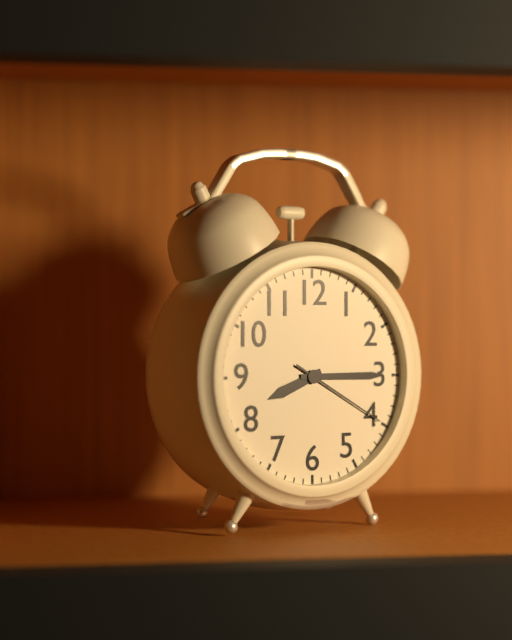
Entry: h=8 m=15 s=20
